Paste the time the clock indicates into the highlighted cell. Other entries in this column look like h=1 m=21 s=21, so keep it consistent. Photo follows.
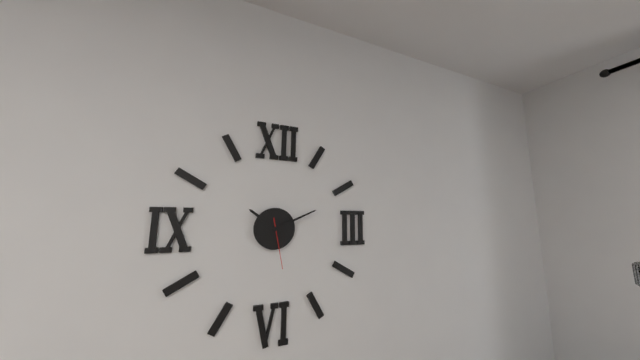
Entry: h=10 m=11 s=28
